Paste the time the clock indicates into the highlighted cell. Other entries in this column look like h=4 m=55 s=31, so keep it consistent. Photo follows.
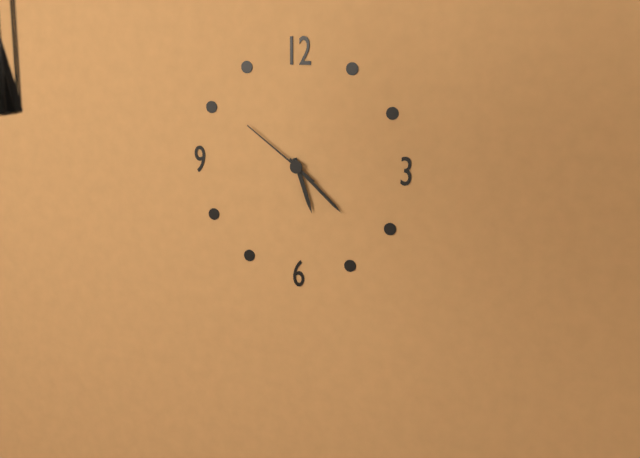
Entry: h=5 m=22 s=51
